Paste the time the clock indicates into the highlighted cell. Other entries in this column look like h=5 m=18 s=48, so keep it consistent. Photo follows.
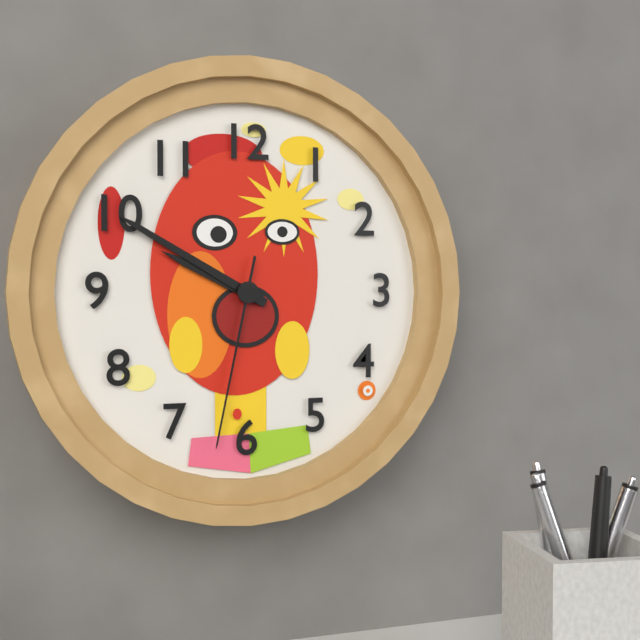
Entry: h=9 m=50 s=32
